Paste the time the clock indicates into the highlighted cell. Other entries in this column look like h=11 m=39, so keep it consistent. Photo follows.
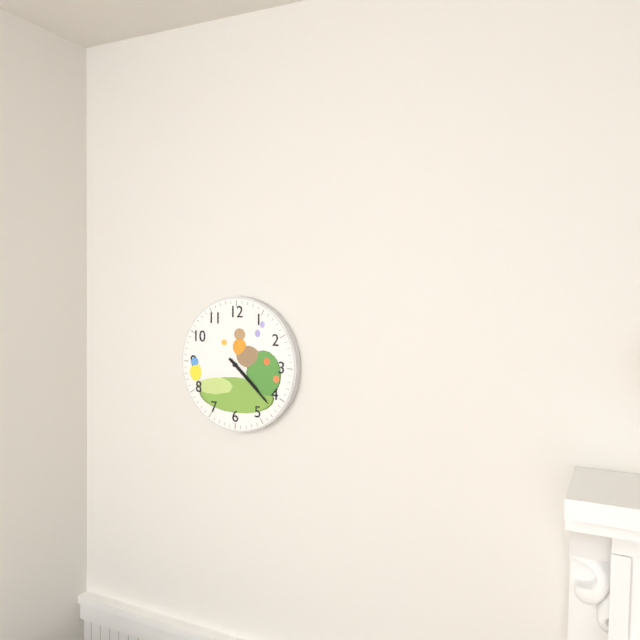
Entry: h=4 m=22
